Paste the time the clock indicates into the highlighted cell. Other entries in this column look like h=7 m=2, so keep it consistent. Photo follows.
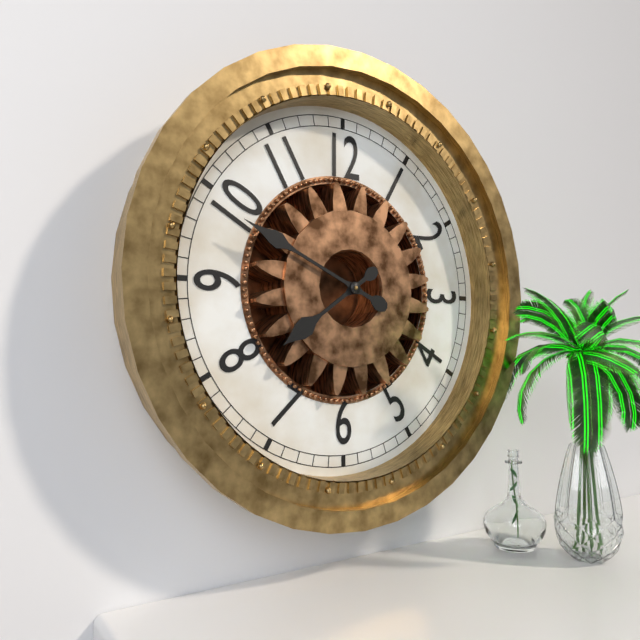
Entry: h=7 m=49
